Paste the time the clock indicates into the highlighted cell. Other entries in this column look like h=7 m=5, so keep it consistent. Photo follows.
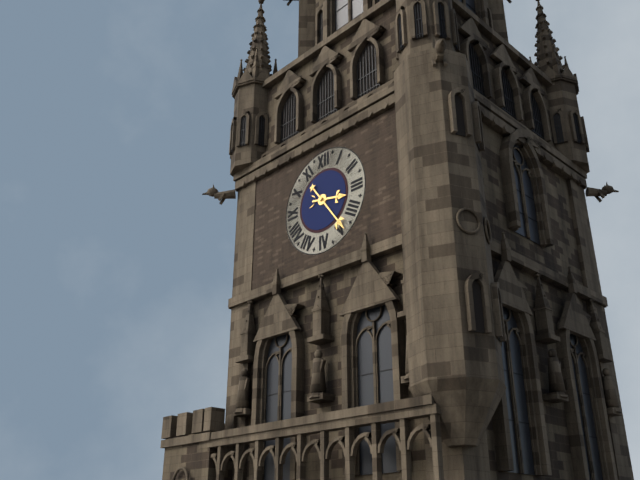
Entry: h=3 m=24
